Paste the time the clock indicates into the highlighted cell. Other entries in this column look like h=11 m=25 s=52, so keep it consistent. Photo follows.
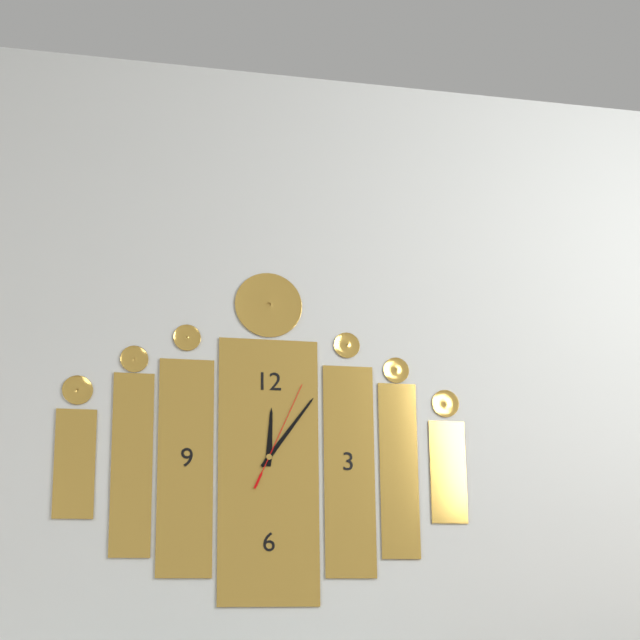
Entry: h=12 m=6 s=4
